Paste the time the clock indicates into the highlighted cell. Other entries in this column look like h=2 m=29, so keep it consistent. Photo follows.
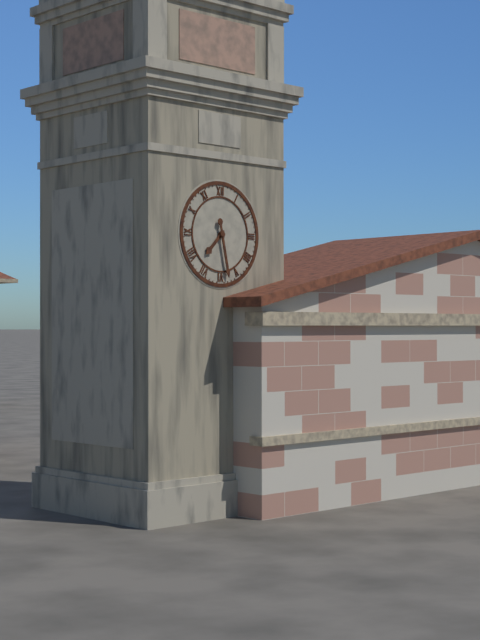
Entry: h=7 m=28
